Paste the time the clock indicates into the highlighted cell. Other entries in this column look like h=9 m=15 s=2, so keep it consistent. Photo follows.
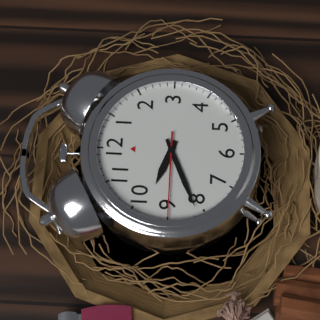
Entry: h=9 m=41 s=45
